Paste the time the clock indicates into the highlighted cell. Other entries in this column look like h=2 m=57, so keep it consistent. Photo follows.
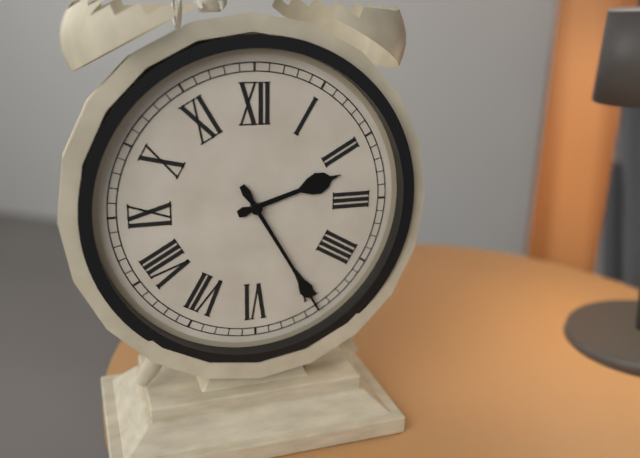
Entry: h=2 m=25
